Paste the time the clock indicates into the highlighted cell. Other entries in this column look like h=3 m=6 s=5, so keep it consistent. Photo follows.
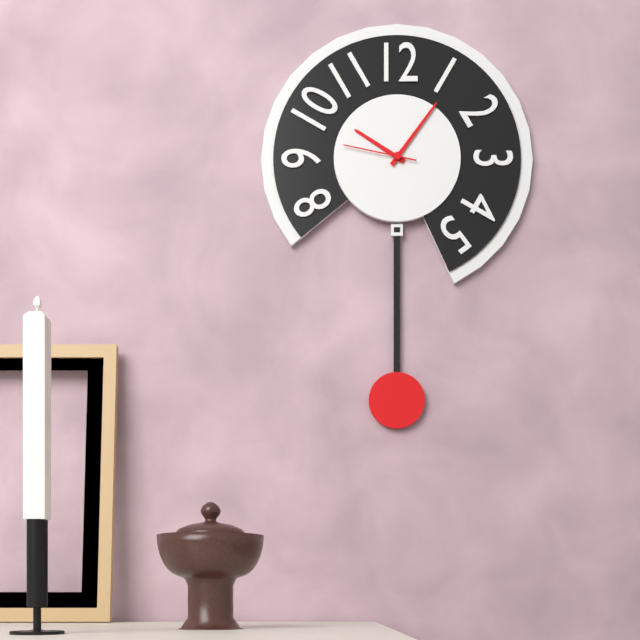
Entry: h=10 m=6 s=47
